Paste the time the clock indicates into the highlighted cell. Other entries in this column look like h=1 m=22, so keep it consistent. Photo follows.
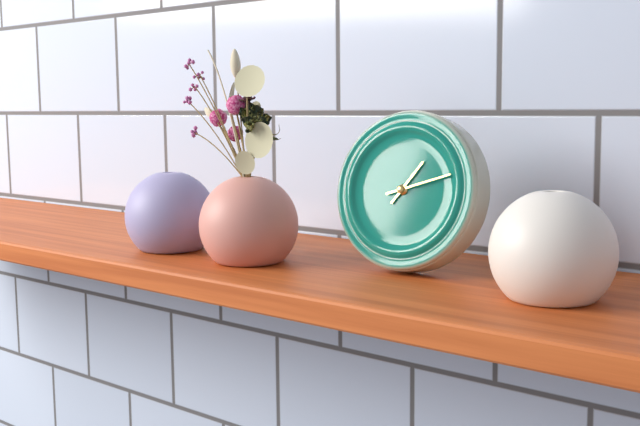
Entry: h=1 m=12
